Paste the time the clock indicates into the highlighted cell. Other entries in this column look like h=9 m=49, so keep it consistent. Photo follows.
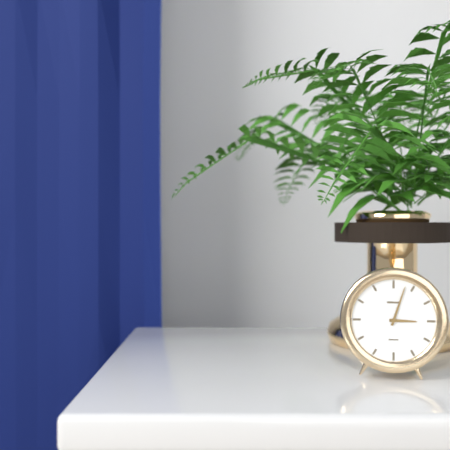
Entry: h=3 m=3
